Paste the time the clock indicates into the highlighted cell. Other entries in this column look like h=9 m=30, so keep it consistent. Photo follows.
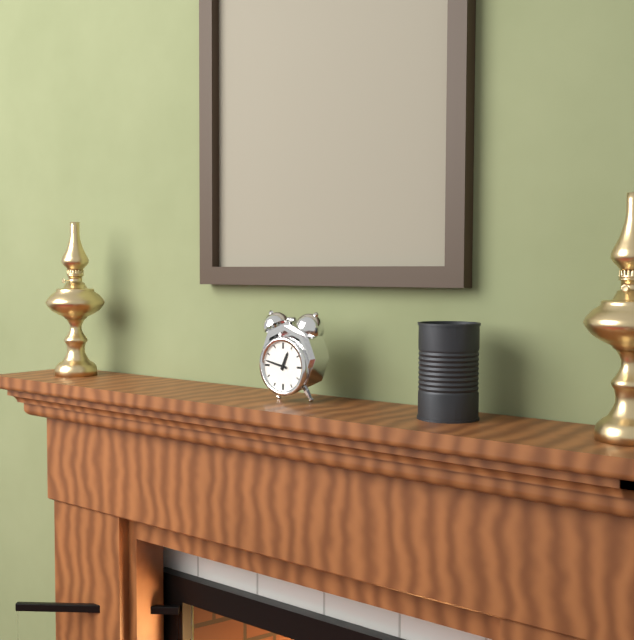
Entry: h=12 m=47
